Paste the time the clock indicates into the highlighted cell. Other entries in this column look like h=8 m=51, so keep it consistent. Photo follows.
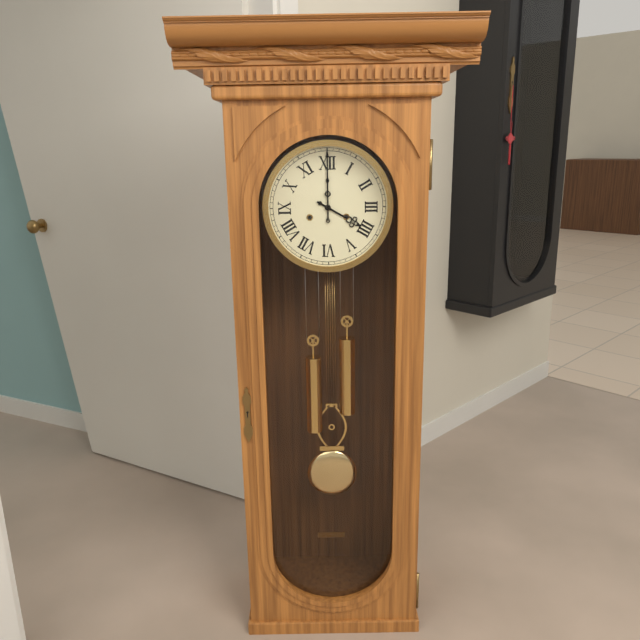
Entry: h=4 m=0
